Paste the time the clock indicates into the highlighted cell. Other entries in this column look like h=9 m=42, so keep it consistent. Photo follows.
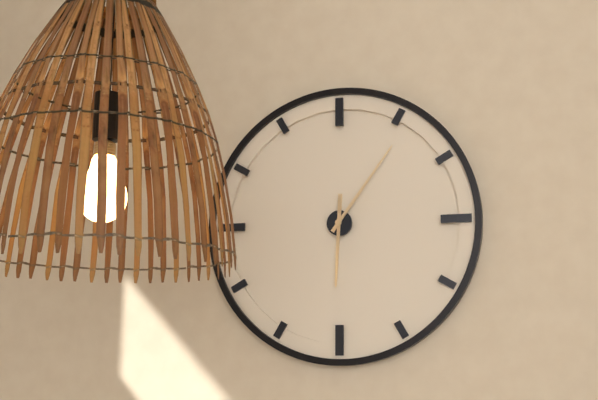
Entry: h=6 m=6
